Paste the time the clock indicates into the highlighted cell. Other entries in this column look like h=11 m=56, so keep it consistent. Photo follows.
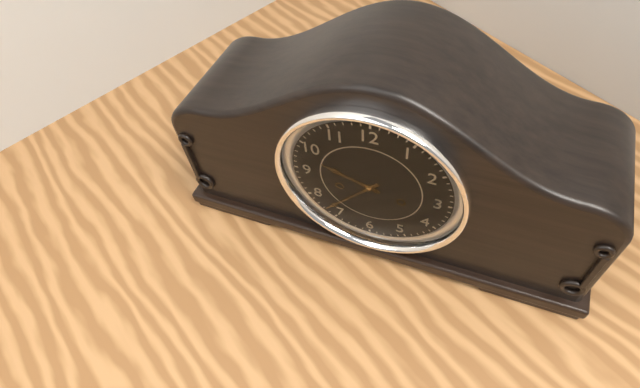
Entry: h=9 m=37
